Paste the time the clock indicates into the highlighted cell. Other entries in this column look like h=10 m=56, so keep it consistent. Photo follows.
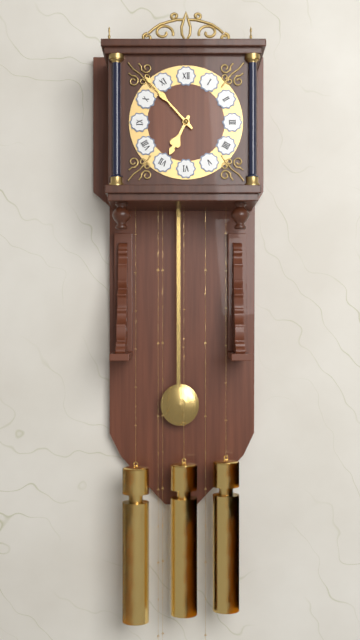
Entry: h=6 m=53
